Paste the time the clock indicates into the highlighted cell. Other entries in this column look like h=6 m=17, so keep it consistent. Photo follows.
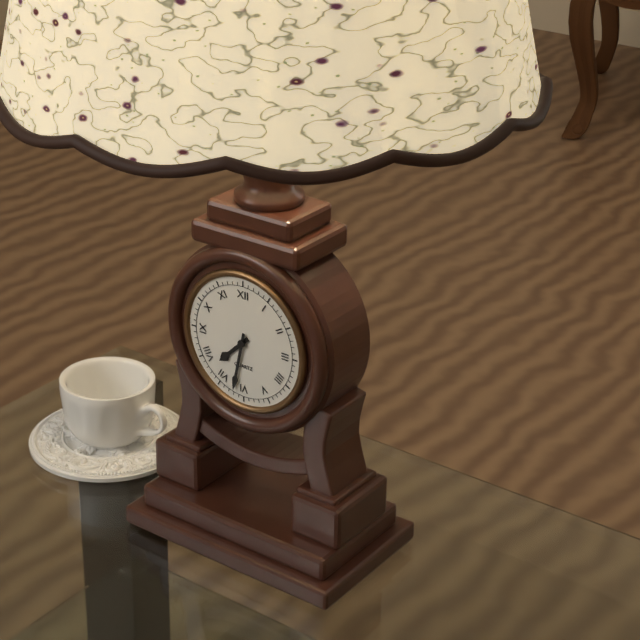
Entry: h=7 m=32
